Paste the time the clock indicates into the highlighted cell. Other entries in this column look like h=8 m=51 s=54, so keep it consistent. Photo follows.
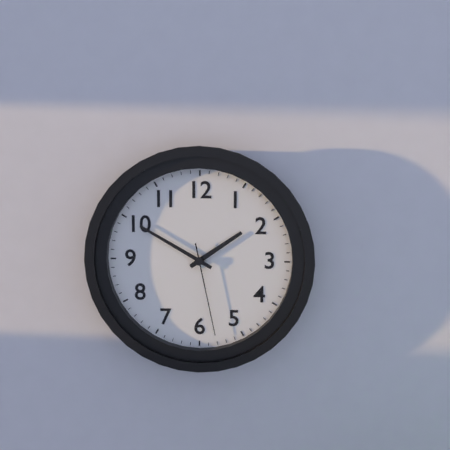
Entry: h=1 m=50 s=28
